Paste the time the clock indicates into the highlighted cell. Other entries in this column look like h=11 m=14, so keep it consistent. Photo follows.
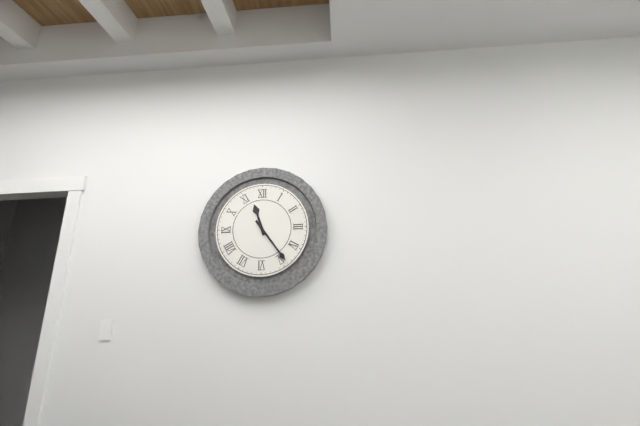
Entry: h=11 m=24
